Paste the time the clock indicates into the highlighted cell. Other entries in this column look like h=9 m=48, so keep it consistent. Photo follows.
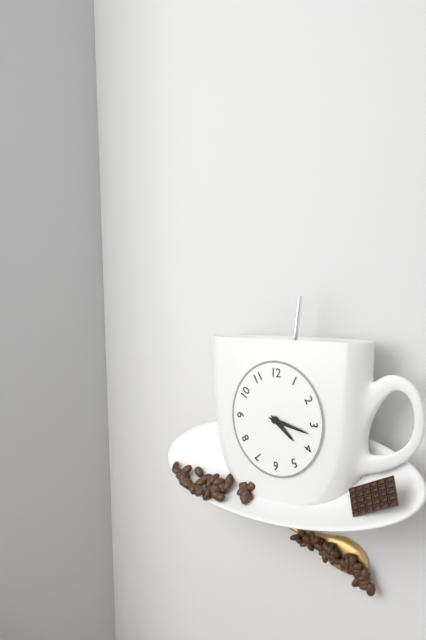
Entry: h=4 m=17
